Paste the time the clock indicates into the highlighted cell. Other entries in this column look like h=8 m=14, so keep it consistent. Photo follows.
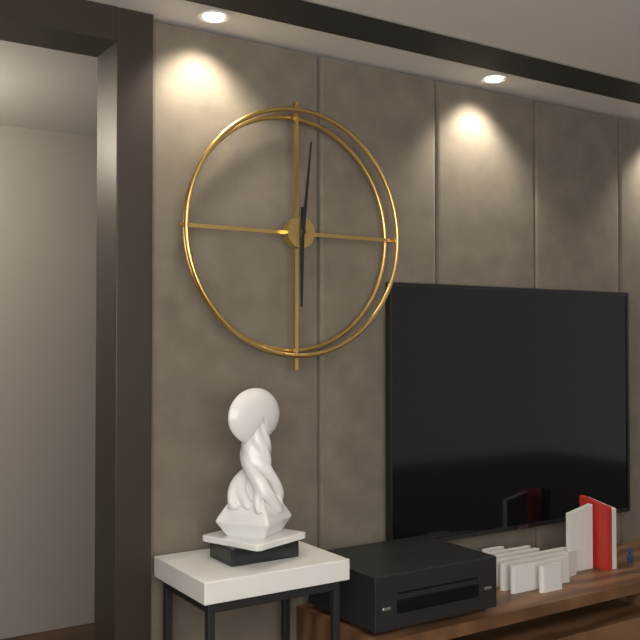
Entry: h=6 m=1
